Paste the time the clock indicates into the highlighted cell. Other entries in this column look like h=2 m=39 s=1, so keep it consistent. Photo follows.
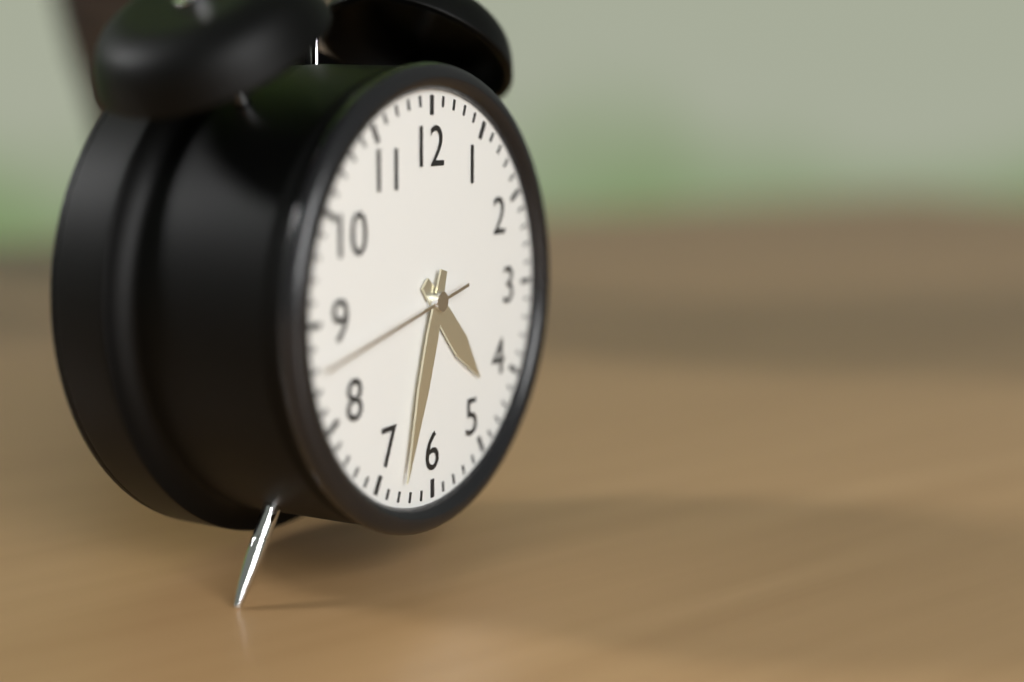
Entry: h=4 m=33 s=43
